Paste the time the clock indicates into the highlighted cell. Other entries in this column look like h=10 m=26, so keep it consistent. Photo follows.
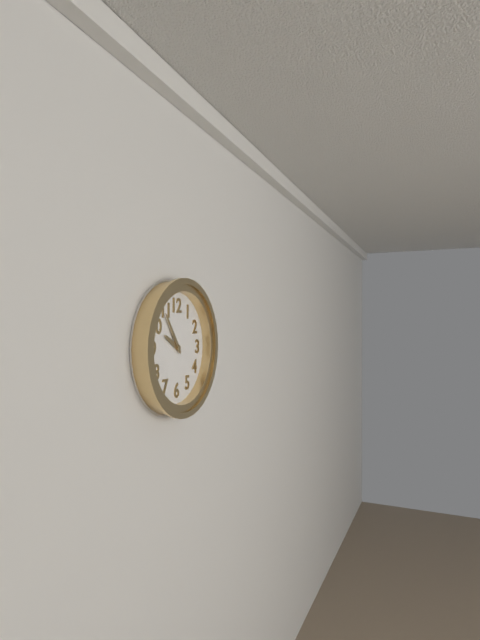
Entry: h=9 m=54
